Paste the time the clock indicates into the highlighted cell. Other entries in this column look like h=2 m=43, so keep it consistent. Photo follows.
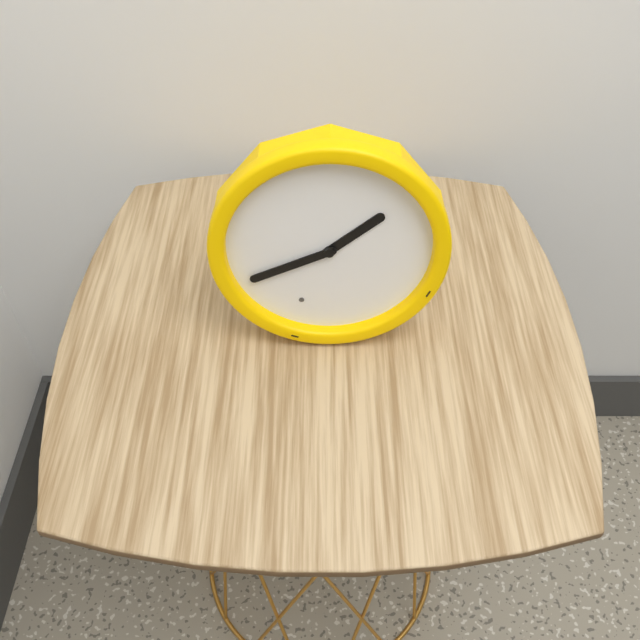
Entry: h=1 m=41
